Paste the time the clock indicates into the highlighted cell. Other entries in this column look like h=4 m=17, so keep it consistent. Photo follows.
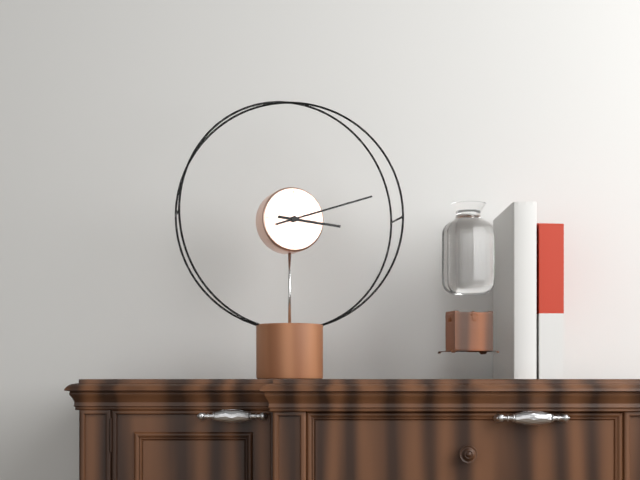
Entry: h=3 m=12
